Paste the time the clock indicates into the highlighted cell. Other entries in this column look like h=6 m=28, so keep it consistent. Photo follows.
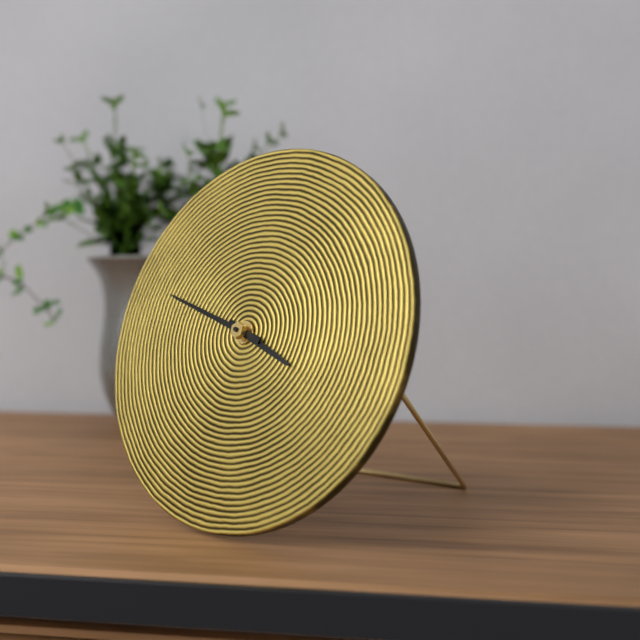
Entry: h=3 m=48
